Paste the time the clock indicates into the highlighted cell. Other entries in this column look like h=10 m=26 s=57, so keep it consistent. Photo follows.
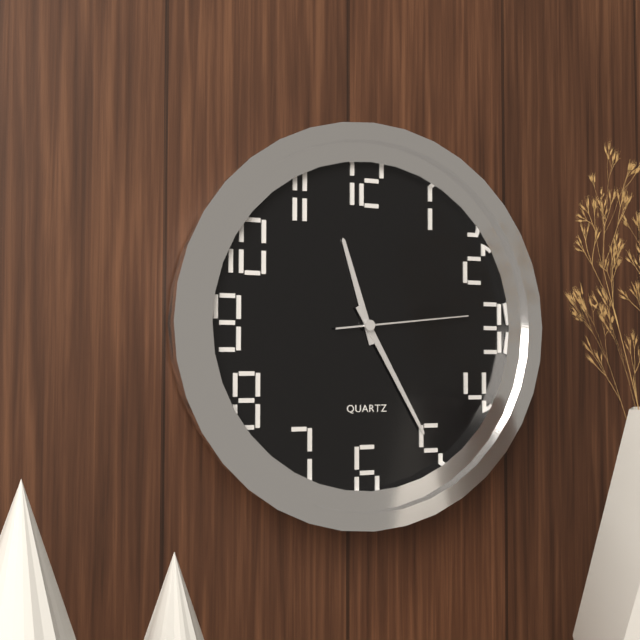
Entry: h=11 m=25 s=14
